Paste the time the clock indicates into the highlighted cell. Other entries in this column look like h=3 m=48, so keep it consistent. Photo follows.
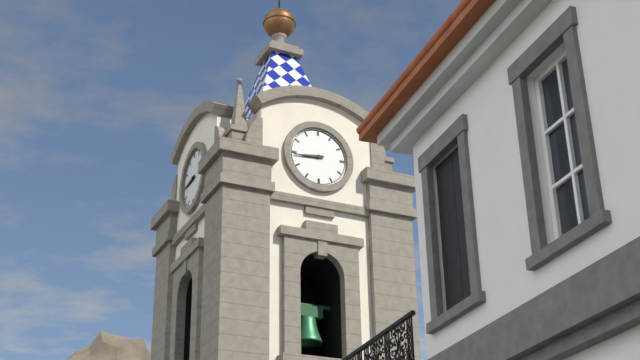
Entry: h=8 m=44
